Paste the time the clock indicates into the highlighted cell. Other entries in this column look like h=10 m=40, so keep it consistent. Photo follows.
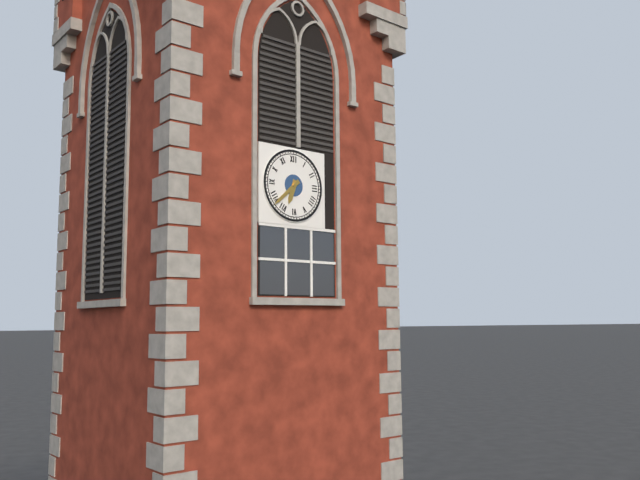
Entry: h=6 m=38
